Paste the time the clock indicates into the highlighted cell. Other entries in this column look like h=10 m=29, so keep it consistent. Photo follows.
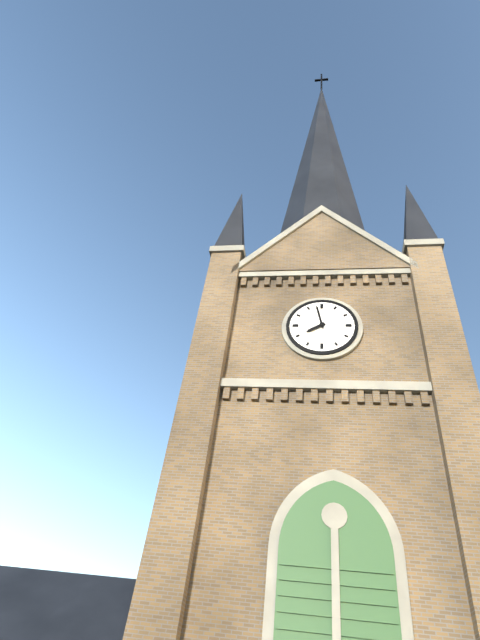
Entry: h=7 m=58
